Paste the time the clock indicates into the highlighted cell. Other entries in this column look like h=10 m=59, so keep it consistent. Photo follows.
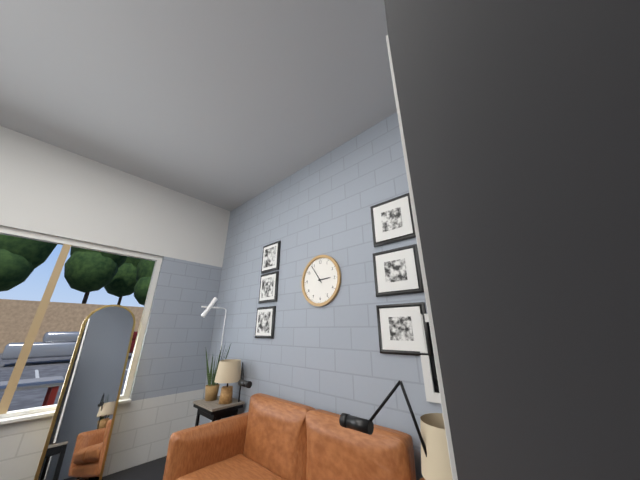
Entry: h=2 m=54
